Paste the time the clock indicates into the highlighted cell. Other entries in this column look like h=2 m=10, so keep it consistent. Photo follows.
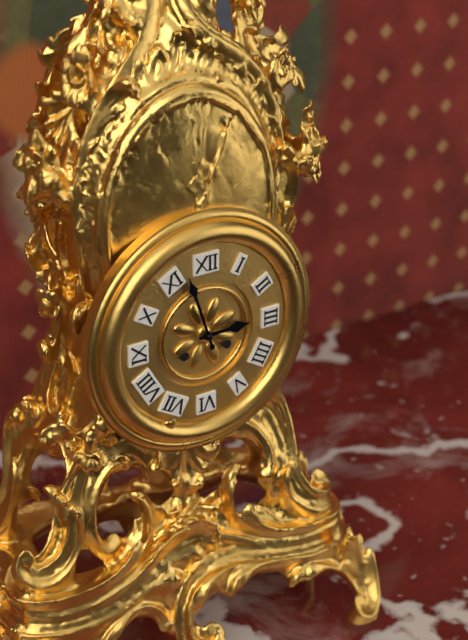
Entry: h=2 m=57
